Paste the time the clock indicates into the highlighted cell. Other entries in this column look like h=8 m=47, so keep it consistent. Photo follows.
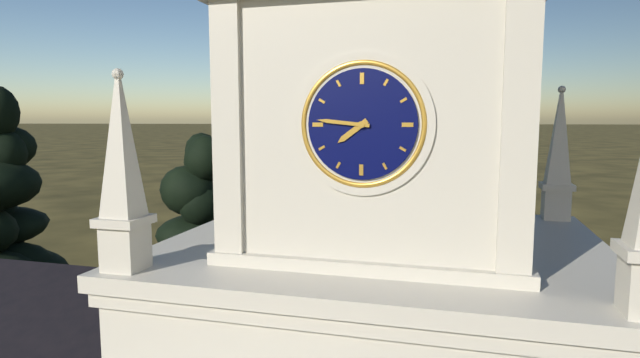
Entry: h=7 m=46
